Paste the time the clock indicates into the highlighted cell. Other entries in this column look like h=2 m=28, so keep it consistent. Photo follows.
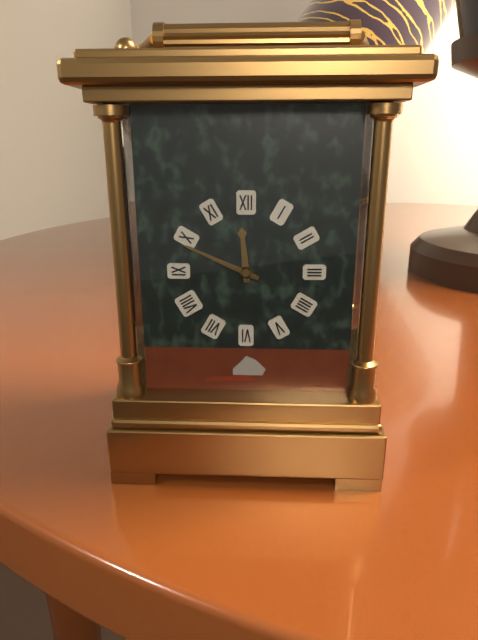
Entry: h=11 m=49
